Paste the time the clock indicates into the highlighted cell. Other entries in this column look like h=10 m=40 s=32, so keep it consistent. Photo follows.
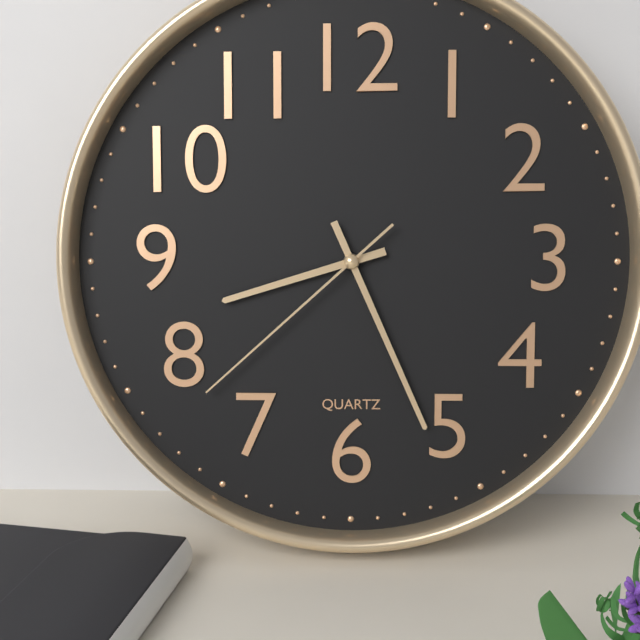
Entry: h=8 m=26 s=38
